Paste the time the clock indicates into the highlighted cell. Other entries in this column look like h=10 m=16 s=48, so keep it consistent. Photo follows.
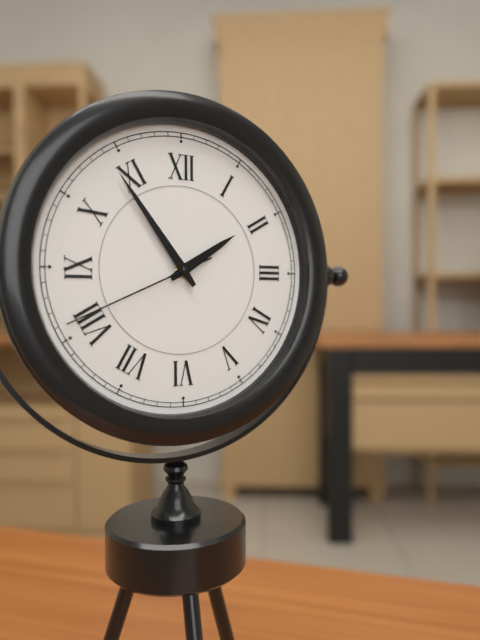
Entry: h=1 m=54 s=41
